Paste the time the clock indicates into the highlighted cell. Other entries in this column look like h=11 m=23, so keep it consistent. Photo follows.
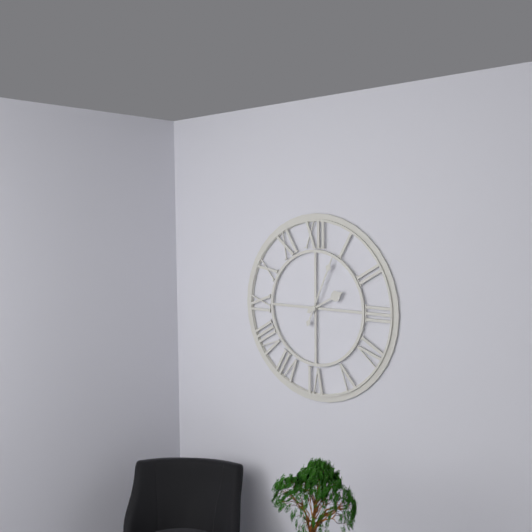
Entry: h=2 m=4
